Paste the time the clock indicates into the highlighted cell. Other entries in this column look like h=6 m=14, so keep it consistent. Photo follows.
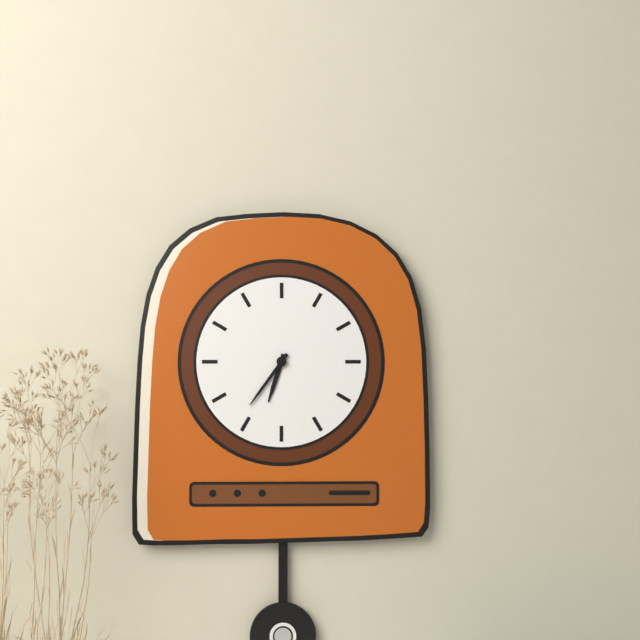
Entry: h=6 m=36
